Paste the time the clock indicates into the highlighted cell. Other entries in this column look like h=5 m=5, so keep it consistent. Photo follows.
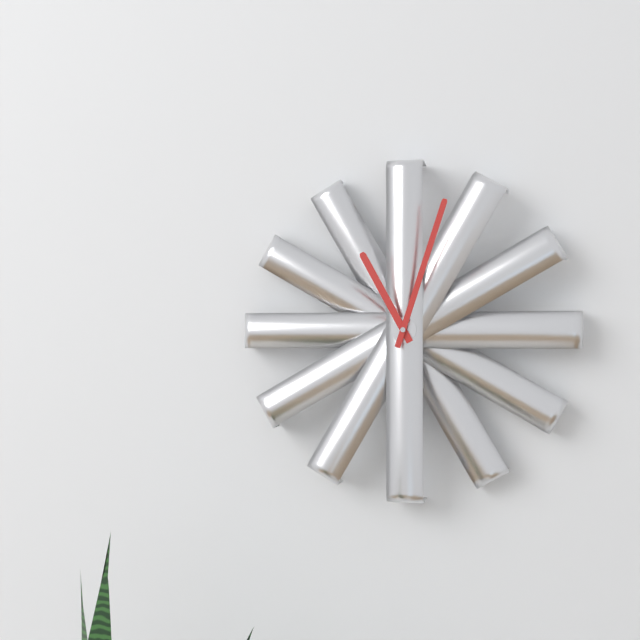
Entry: h=11 m=3
